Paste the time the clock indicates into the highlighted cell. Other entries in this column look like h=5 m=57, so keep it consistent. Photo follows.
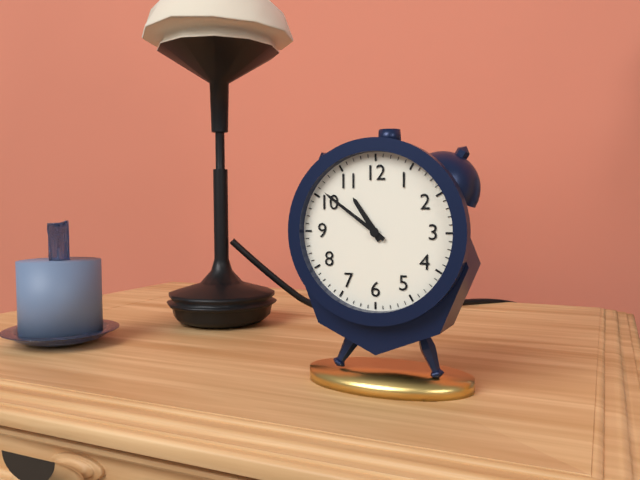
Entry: h=10 m=51
